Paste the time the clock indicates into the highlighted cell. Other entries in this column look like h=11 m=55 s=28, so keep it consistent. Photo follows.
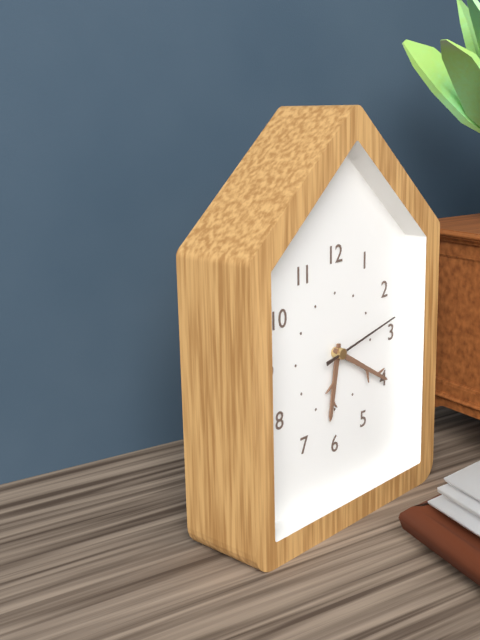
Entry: h=6 m=20 s=13
